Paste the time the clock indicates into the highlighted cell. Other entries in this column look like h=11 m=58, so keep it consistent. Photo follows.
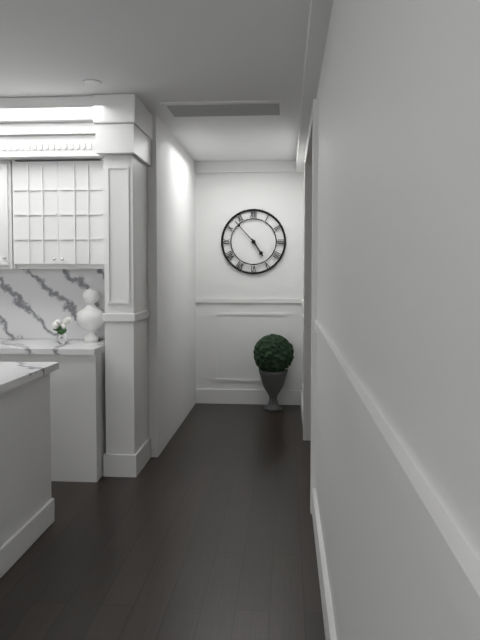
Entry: h=4 m=53
